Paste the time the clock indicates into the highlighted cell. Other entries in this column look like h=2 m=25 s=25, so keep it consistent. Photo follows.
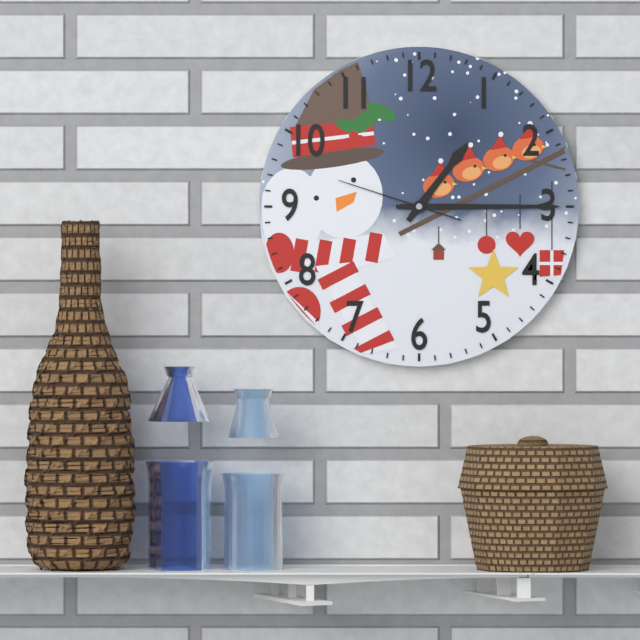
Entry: h=1 m=15 s=48
